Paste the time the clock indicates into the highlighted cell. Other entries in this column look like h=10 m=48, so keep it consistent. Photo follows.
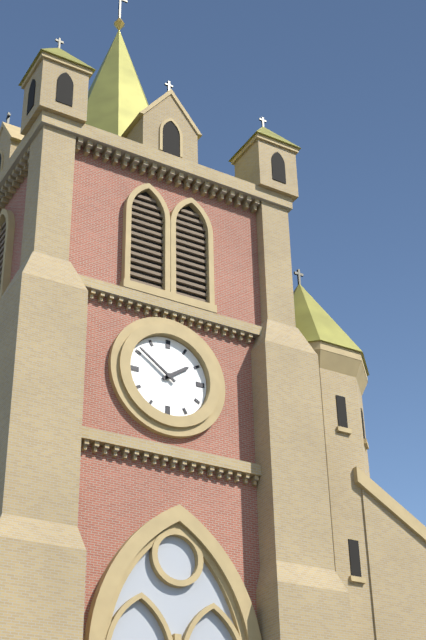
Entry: h=1 m=51
